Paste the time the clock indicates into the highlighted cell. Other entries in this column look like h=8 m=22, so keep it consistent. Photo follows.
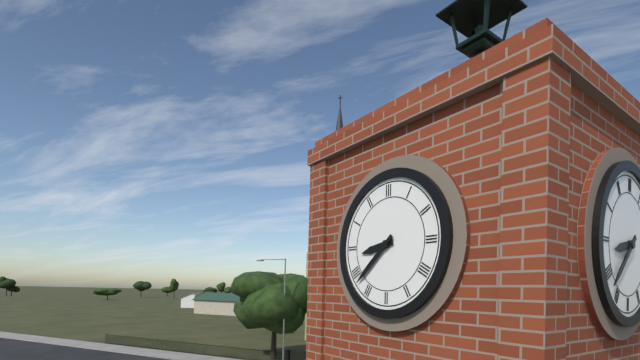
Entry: h=8 m=38
